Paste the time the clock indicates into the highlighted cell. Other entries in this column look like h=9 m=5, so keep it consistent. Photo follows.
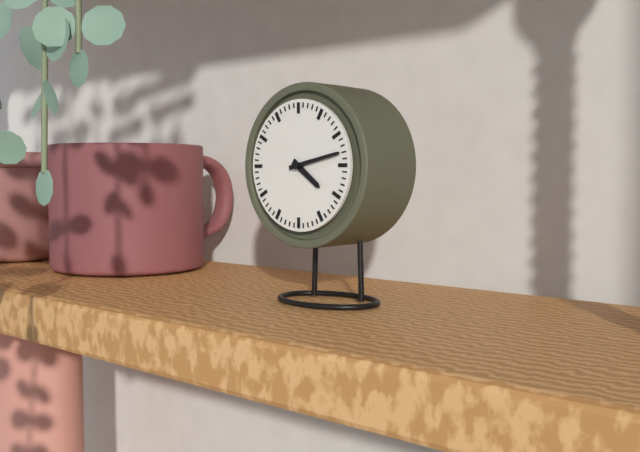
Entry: h=4 m=13
